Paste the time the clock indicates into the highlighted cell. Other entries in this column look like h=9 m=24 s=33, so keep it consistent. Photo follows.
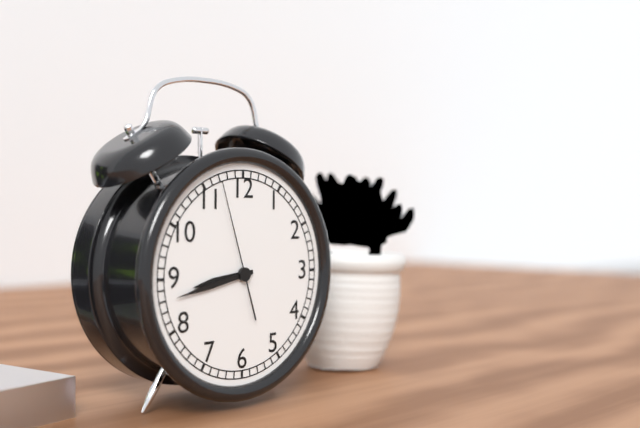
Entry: h=8 m=43 s=57
